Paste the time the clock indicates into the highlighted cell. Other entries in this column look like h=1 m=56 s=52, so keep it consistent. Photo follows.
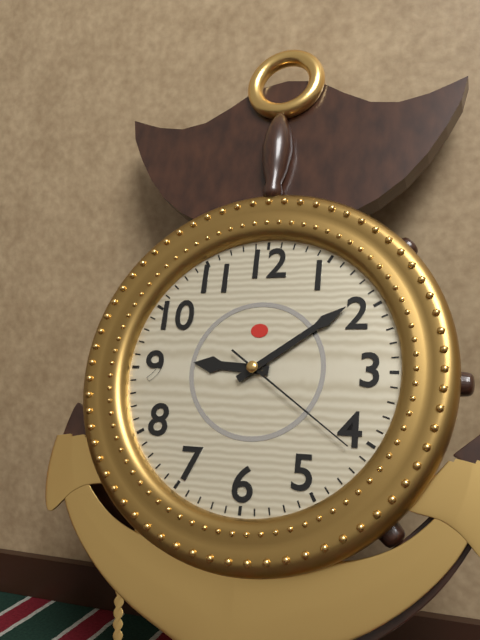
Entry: h=9 m=9 s=21
